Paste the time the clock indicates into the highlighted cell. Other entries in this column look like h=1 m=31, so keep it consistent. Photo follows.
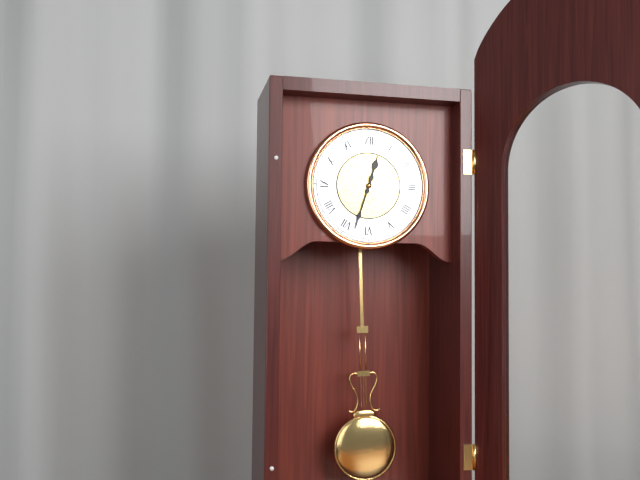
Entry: h=12 m=33
